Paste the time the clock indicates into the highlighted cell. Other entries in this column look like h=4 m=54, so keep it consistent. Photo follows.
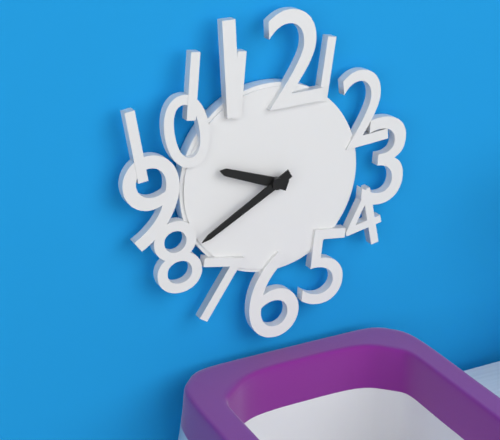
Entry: h=9 m=40
